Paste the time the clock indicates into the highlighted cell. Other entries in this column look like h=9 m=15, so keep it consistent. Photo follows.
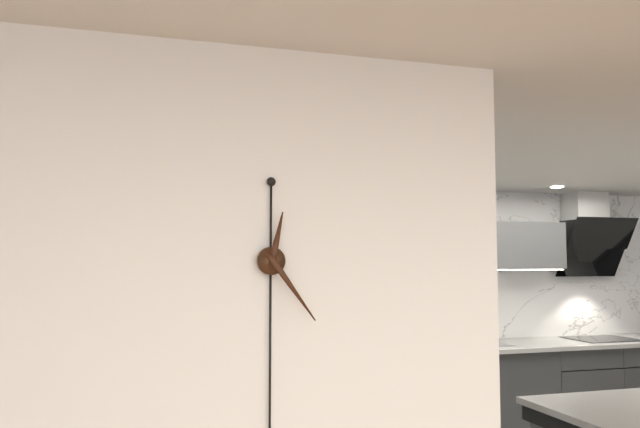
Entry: h=12 m=24
